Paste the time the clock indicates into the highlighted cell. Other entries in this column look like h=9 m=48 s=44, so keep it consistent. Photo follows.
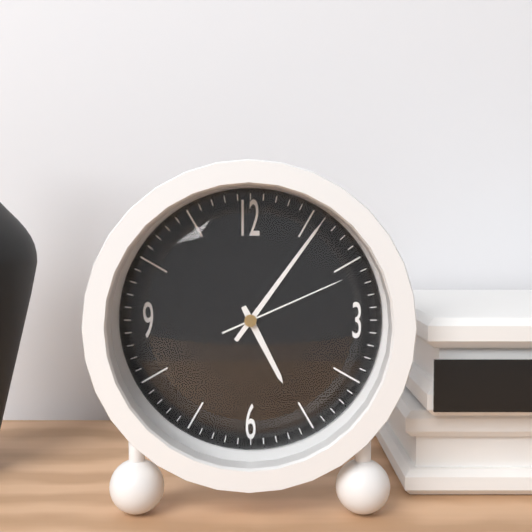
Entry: h=5 m=6 s=11
